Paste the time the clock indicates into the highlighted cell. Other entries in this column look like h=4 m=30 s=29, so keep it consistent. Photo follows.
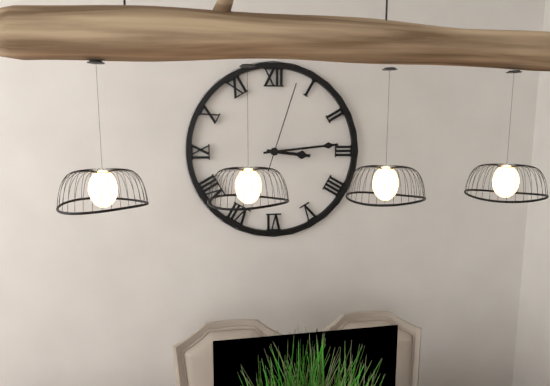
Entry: h=3 m=14 s=3
